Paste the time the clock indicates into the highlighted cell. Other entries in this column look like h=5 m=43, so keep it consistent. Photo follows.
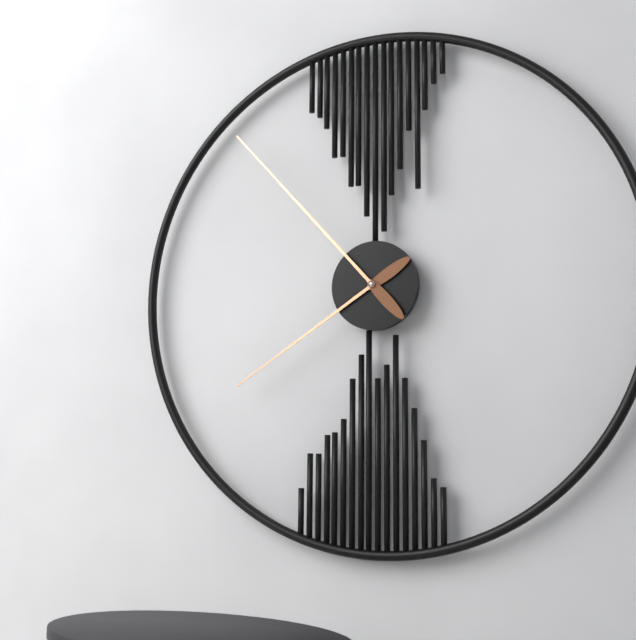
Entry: h=7 m=53
